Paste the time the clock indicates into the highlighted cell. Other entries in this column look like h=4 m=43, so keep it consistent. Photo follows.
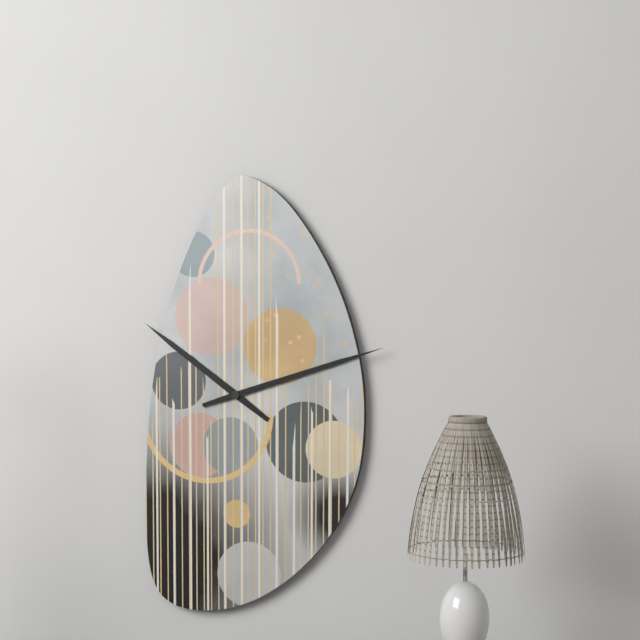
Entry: h=10 m=12
